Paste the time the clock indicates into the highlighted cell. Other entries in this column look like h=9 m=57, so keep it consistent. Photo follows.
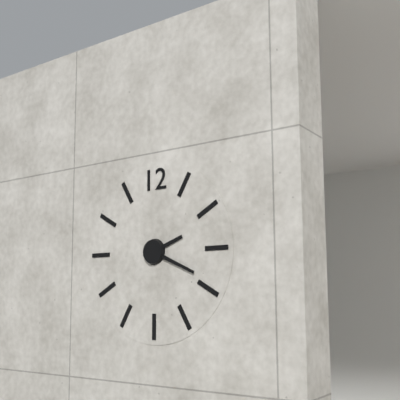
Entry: h=2 m=19
